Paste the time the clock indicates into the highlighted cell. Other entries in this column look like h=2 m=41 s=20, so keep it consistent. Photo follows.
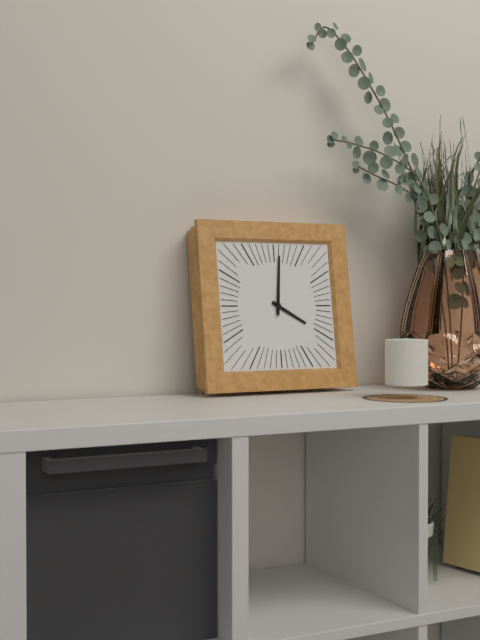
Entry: h=4 m=1 s=1
